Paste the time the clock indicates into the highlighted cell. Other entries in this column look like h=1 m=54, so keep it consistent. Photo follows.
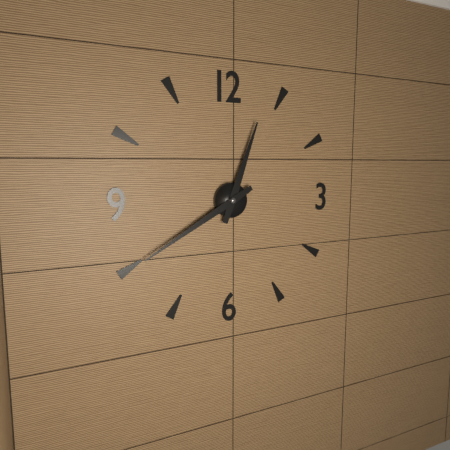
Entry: h=12 m=40
